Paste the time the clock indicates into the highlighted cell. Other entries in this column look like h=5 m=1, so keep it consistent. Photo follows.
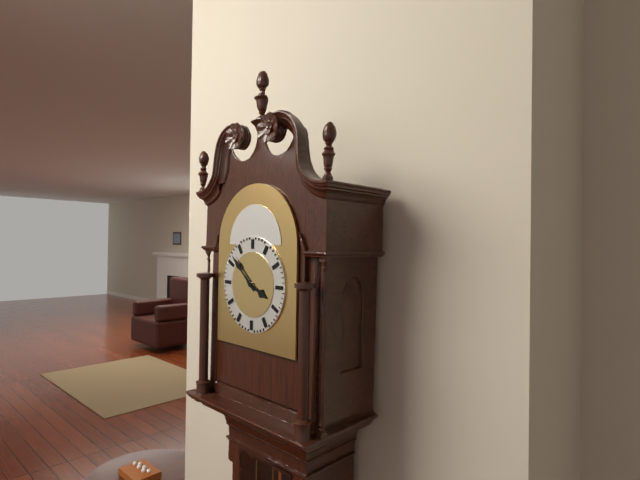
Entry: h=3 m=52
